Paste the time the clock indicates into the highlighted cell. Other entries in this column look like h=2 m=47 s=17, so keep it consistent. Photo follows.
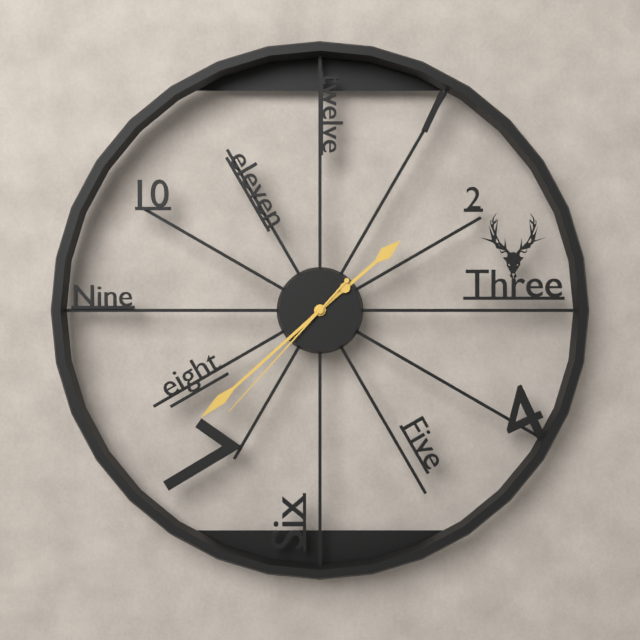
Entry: h=1 m=38 s=37
